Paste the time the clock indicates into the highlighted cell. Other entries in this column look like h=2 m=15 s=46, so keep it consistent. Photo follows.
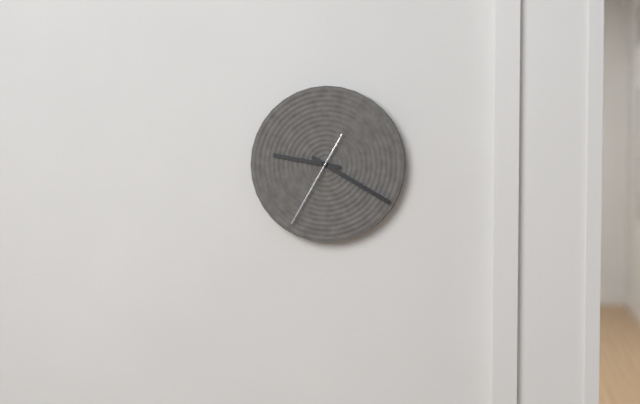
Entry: h=9 m=20 s=35
